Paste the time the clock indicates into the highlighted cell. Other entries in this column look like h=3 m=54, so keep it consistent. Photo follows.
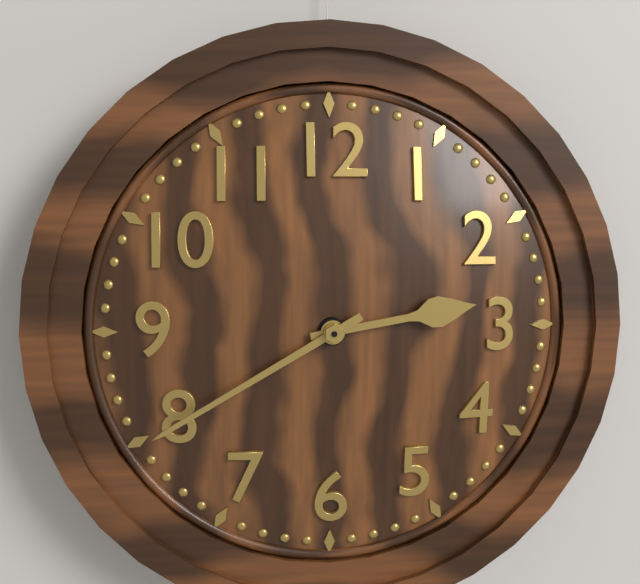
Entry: h=2 m=40
